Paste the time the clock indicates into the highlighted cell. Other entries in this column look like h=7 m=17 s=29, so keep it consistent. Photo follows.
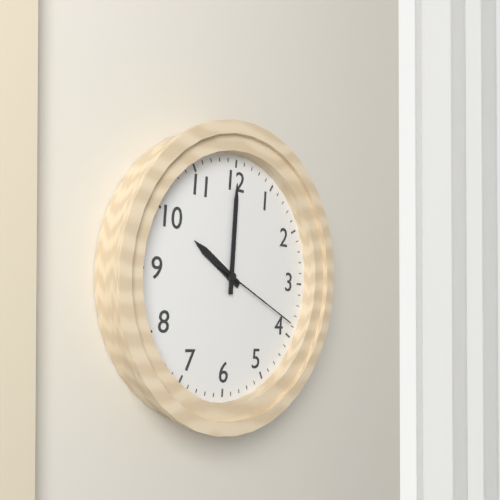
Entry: h=10 m=0 s=19
